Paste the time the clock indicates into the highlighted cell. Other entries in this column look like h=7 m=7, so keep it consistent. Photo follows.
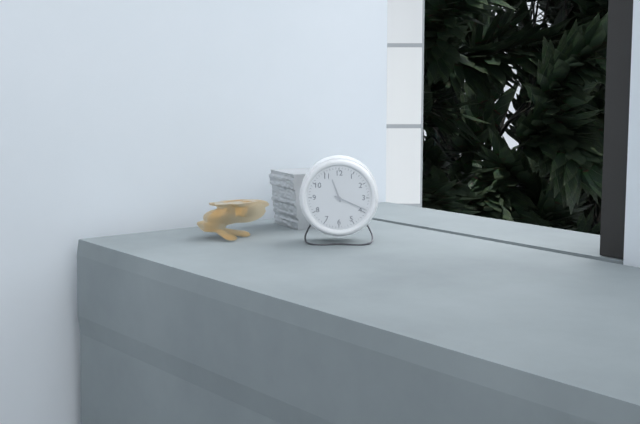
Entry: h=11 m=19
